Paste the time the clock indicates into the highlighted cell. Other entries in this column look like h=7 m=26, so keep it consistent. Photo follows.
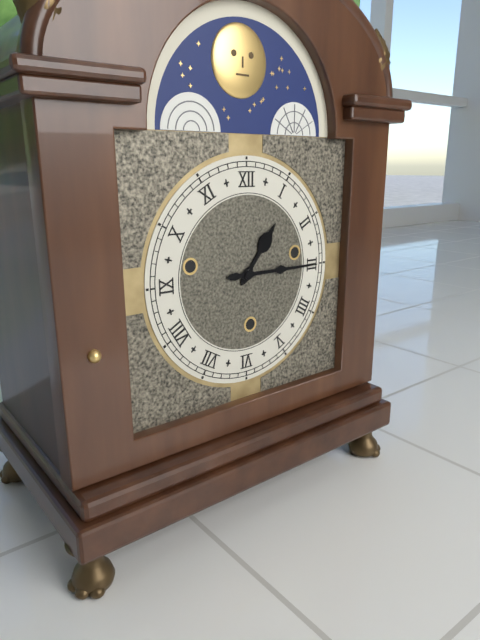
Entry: h=1 m=15
